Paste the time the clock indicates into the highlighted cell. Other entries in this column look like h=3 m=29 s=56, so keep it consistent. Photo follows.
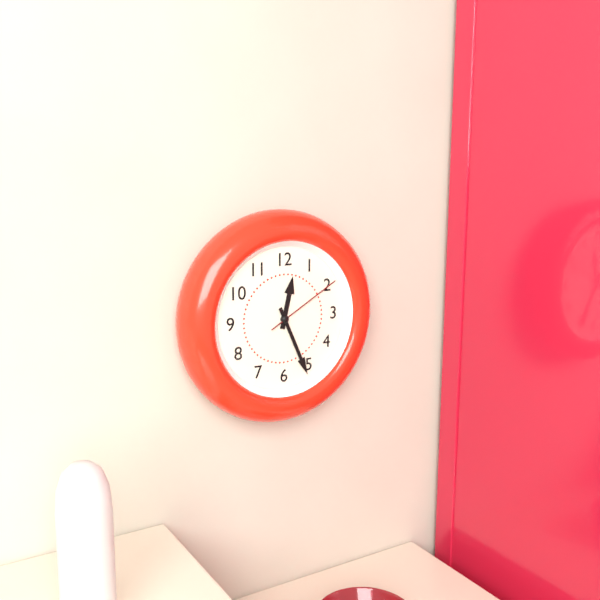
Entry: h=12 m=26 s=10
